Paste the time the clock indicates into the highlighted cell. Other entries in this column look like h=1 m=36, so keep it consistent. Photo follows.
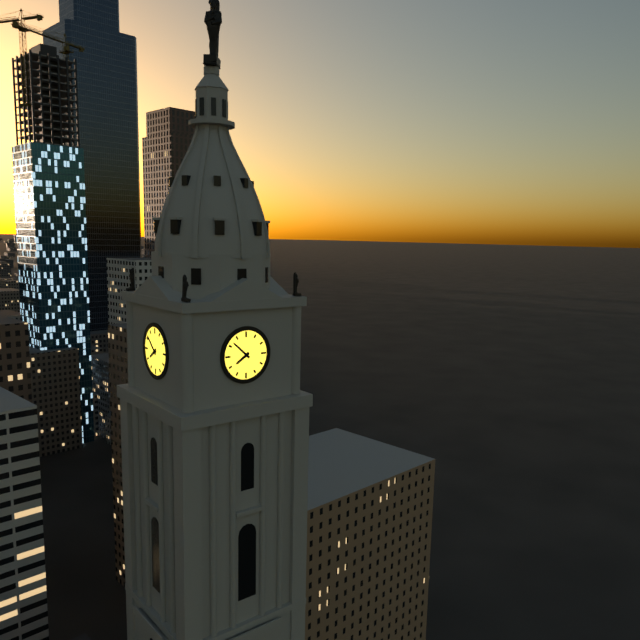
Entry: h=7 m=52
